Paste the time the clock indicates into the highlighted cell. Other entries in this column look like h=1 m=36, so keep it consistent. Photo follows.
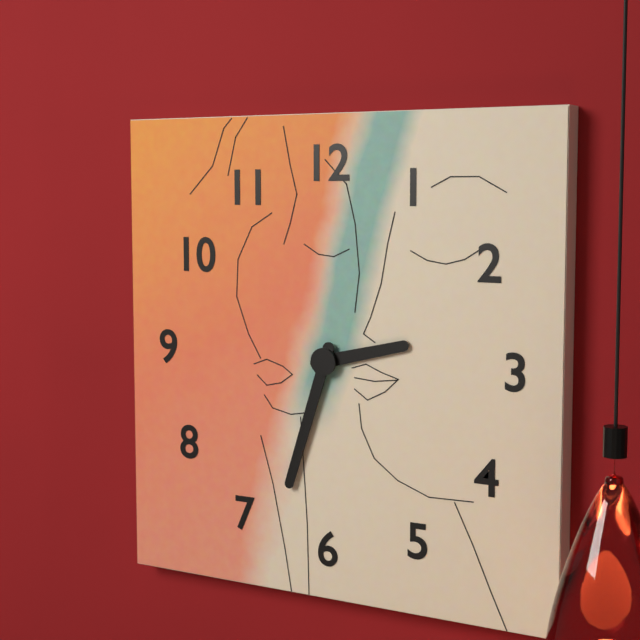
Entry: h=2 m=33
